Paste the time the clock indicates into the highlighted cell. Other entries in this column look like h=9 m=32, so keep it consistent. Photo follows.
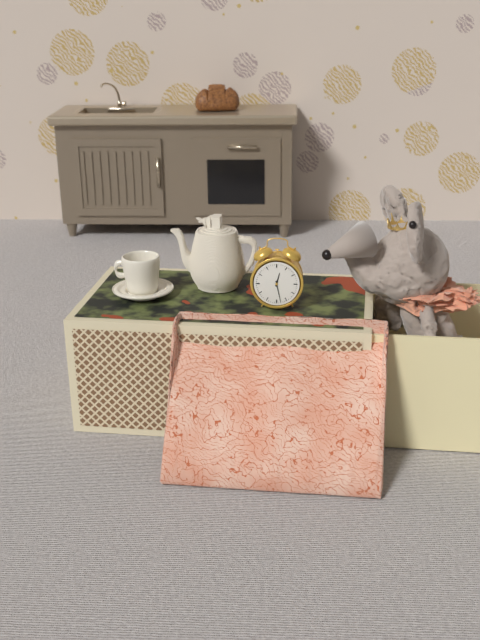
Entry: h=12 m=28
